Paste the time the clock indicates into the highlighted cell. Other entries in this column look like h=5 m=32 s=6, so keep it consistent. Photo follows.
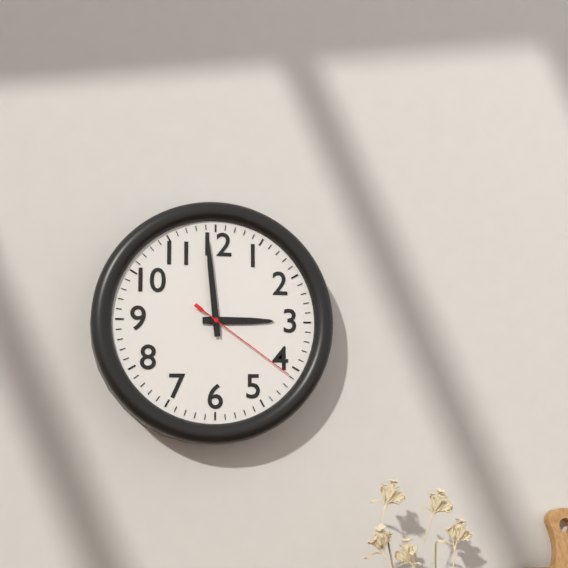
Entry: h=2 m=59 s=21
